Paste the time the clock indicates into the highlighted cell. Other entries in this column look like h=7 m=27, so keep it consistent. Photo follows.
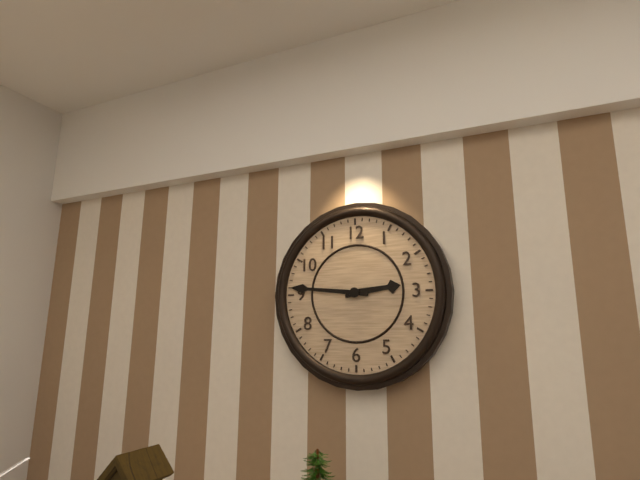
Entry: h=2 m=46
